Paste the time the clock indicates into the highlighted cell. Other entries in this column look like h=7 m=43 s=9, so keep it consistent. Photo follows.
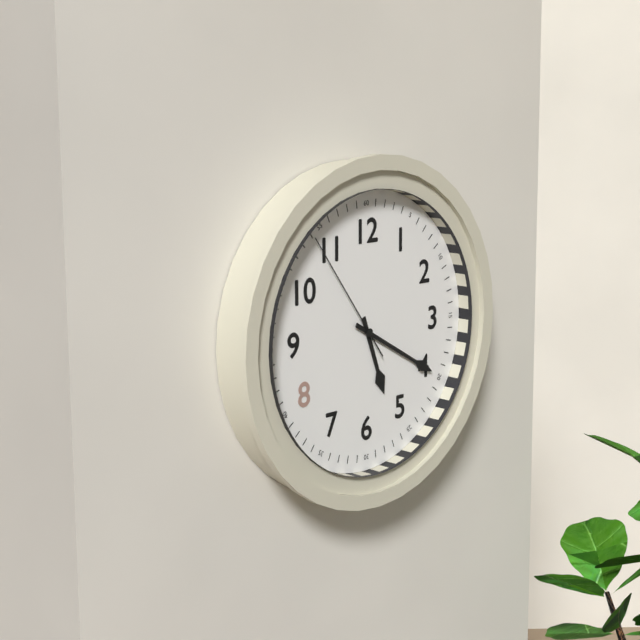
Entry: h=5 m=20 s=54
